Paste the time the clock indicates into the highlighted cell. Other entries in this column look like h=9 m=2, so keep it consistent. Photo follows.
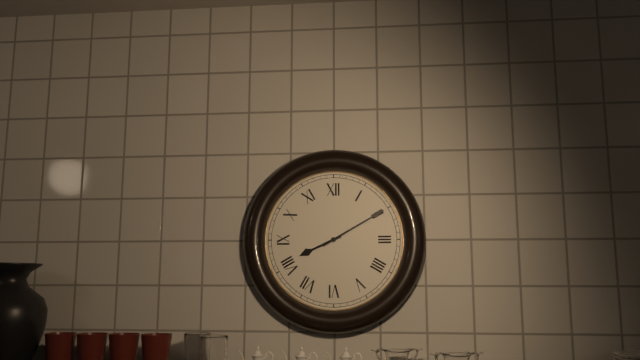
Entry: h=8 m=10
